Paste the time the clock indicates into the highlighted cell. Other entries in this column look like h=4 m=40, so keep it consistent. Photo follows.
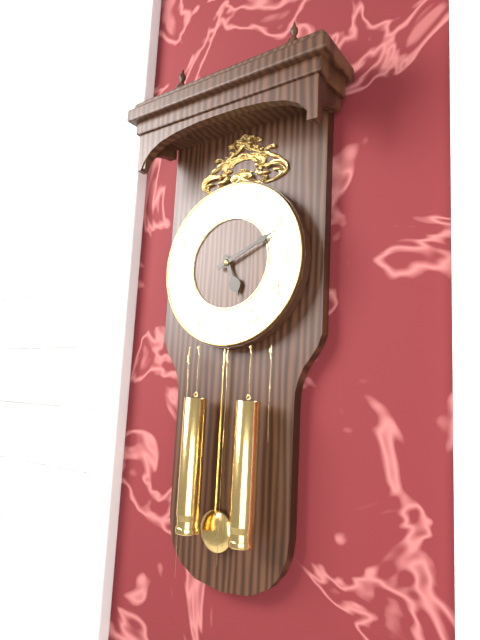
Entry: h=5 m=11
